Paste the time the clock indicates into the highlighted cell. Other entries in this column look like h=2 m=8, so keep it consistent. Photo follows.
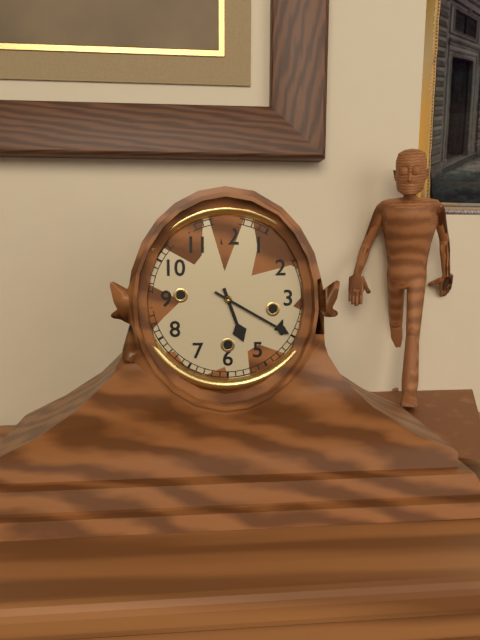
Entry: h=5 m=20
